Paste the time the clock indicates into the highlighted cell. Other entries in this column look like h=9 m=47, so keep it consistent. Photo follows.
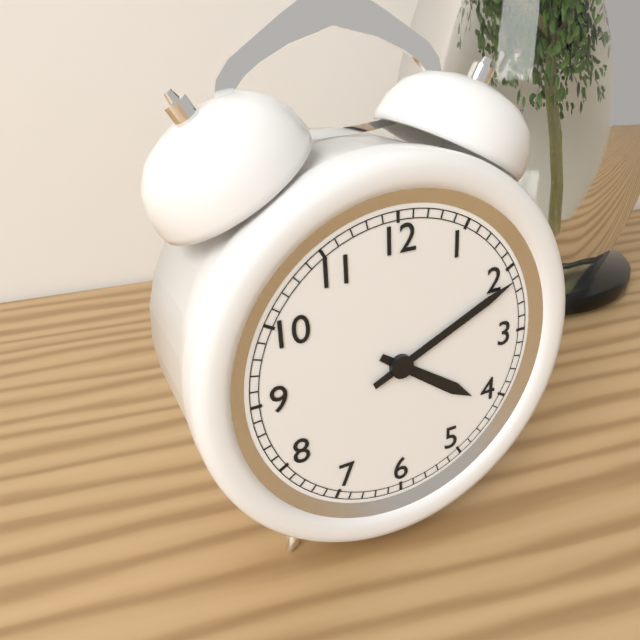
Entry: h=4 m=11
